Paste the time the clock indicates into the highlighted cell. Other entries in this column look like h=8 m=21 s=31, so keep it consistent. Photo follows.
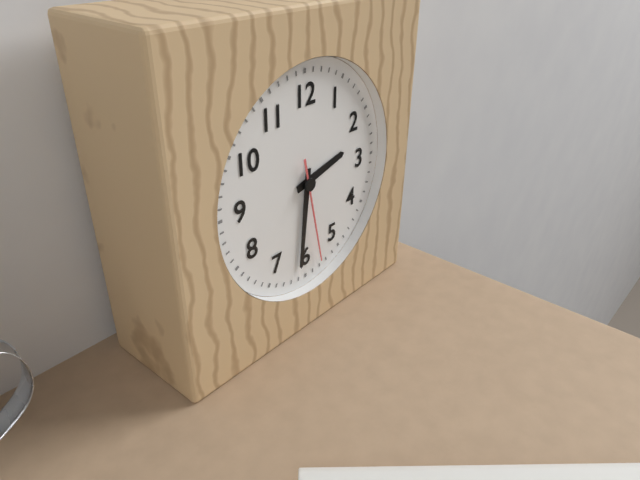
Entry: h=2 m=31 s=28
